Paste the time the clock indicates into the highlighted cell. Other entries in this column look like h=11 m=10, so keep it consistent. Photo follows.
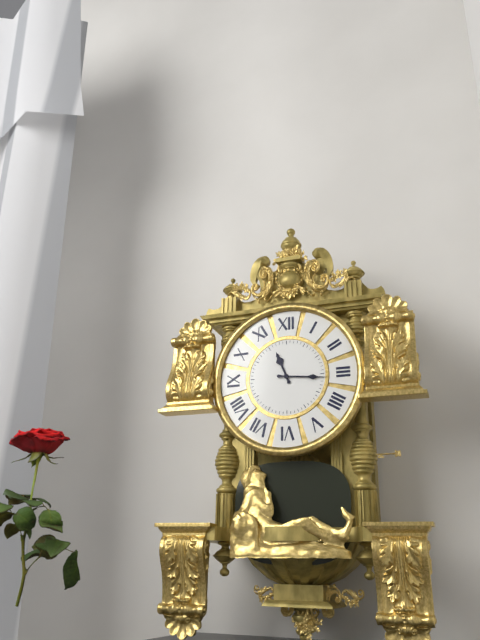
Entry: h=11 m=16
